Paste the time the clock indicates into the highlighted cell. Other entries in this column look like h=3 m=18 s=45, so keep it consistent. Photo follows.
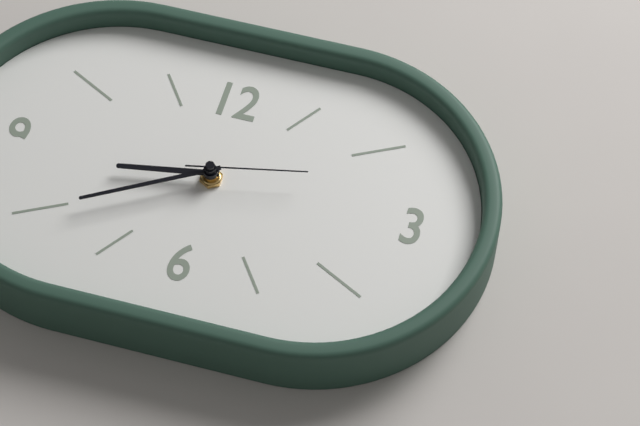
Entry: h=8 m=40 s=13
